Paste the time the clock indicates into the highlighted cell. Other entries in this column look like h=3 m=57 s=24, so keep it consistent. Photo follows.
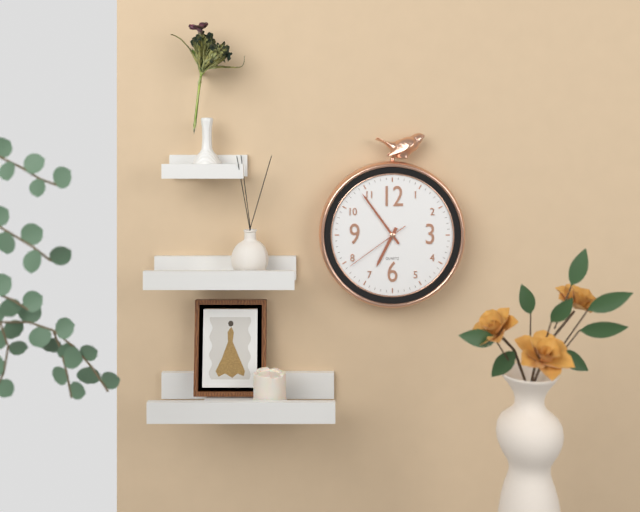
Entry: h=6 m=54 s=39
